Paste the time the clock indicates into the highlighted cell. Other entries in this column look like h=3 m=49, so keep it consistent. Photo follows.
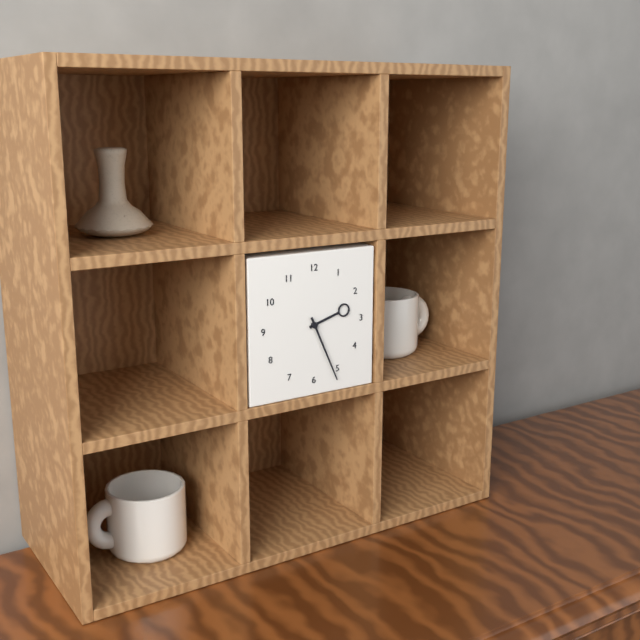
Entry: h=2 m=26
